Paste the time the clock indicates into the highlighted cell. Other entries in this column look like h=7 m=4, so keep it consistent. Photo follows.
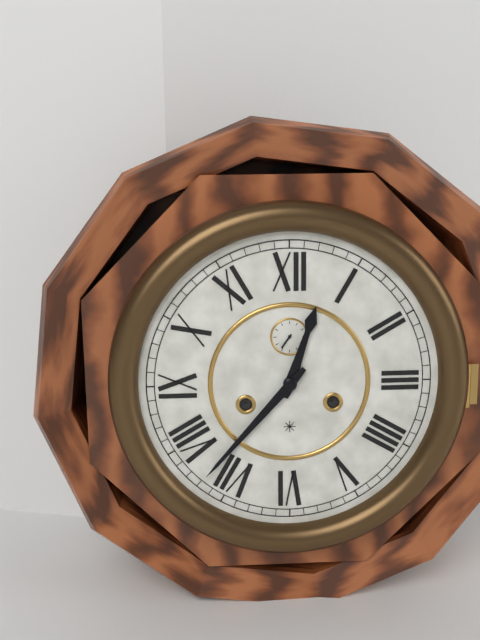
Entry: h=12 m=37
